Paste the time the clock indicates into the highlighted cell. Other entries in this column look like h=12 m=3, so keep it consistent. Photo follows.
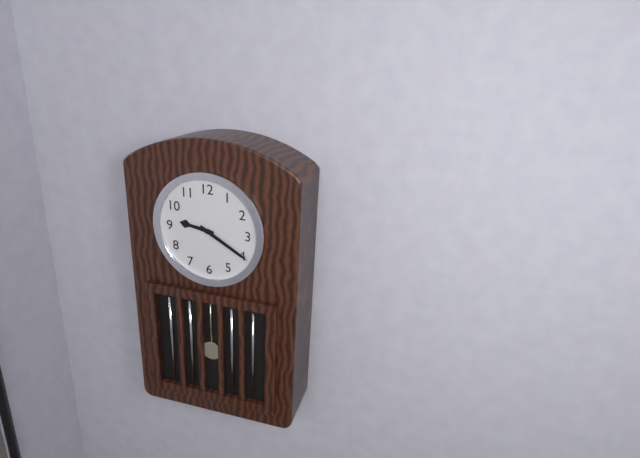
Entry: h=9 m=20
